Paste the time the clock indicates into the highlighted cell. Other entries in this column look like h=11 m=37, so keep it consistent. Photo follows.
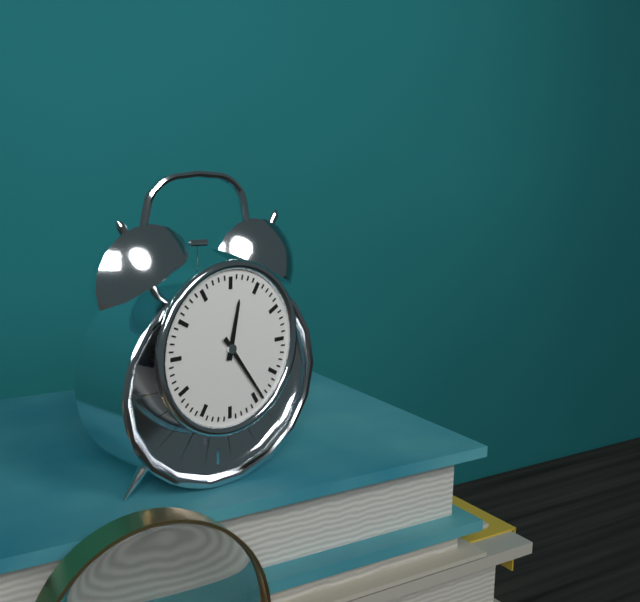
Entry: h=12 m=24
